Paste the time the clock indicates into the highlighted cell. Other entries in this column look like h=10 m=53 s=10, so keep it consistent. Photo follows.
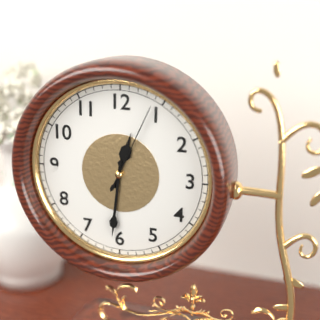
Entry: h=12 m=31 s=4
